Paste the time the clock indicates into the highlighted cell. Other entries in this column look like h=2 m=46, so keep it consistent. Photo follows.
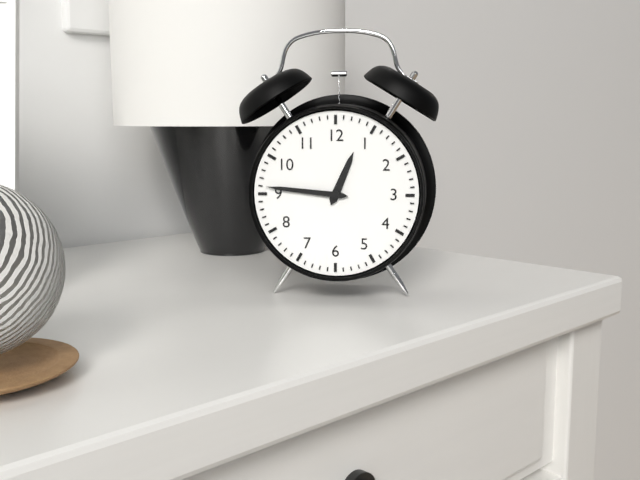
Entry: h=12 m=46
